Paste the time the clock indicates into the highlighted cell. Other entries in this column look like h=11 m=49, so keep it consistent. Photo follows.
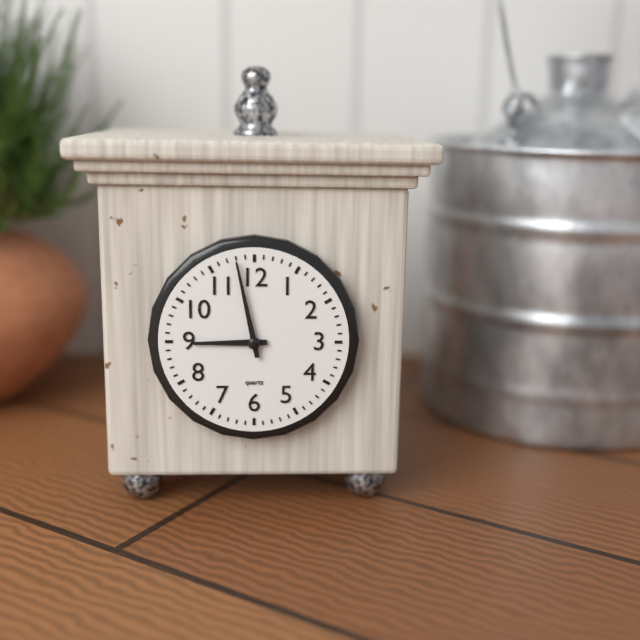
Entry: h=8 m=58
